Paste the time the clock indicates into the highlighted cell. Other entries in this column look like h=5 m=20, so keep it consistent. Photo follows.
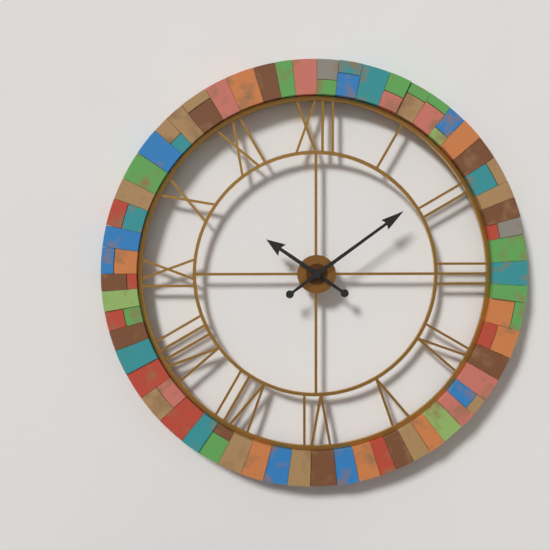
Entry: h=10 m=9
